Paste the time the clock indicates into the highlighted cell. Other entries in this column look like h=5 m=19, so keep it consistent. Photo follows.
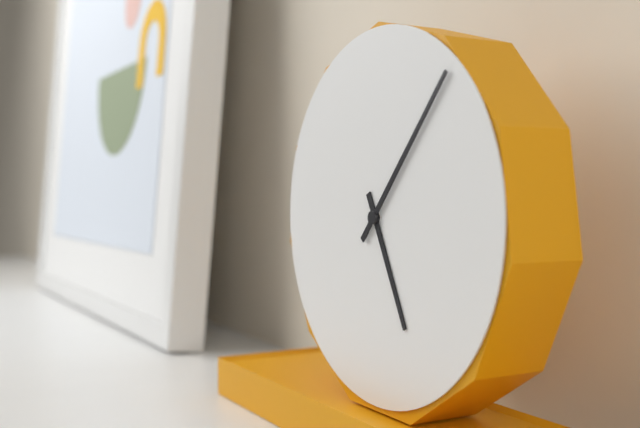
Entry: h=5 m=7
